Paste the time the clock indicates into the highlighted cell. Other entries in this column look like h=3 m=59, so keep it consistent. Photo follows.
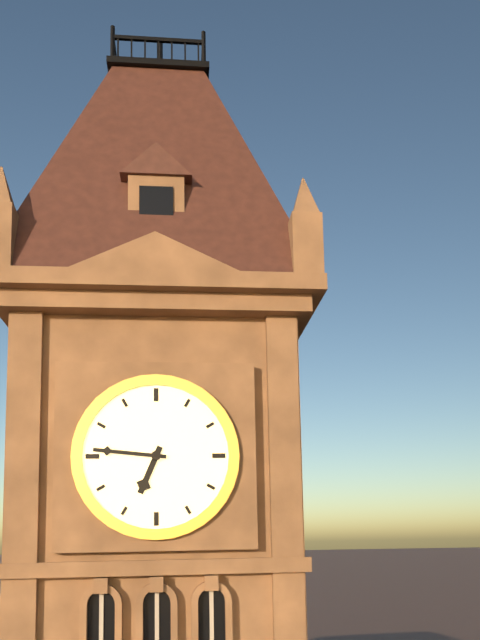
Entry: h=6 m=46
